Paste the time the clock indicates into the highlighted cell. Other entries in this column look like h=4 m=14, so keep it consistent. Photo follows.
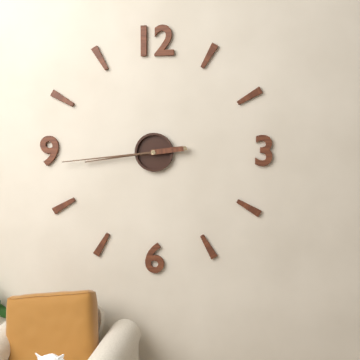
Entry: h=8 m=44
